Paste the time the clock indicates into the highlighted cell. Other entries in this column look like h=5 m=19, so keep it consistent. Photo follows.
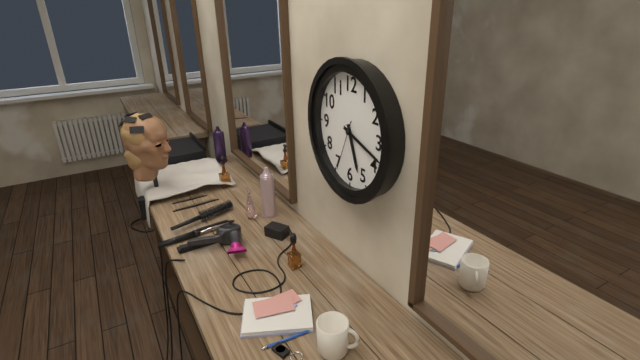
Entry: h=5 m=18
